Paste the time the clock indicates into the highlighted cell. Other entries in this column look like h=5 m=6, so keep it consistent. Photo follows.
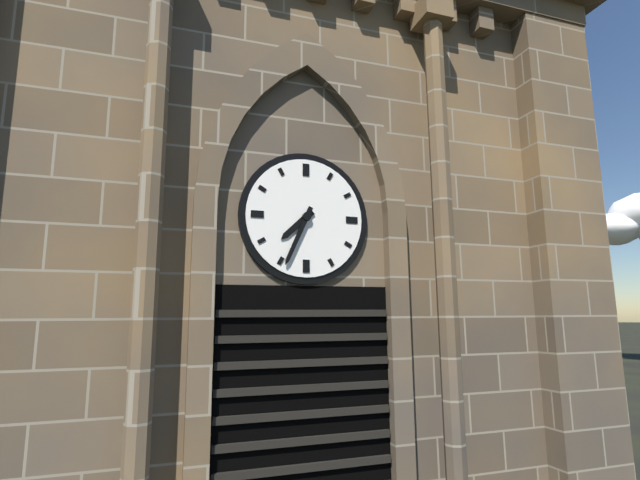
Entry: h=7 m=34
